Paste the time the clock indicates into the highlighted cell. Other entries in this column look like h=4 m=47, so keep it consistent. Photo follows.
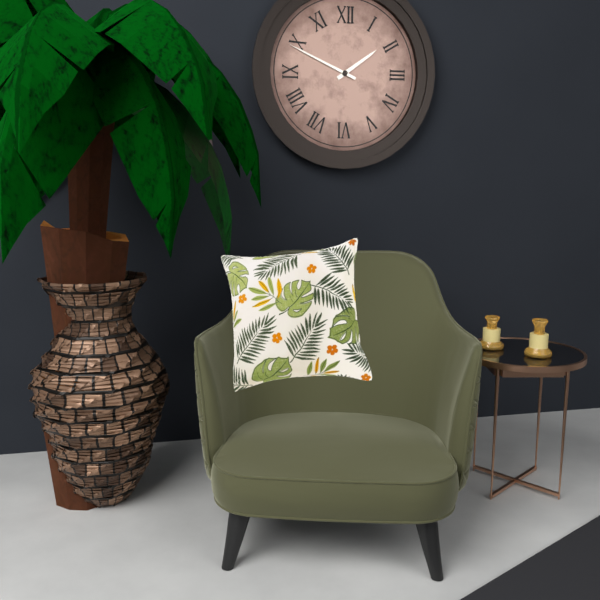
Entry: h=1 m=49
